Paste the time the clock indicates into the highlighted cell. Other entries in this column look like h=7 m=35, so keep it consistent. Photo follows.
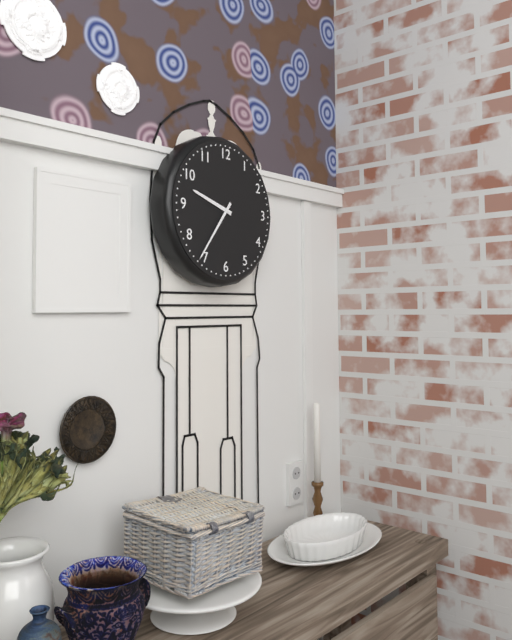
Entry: h=9 m=36
